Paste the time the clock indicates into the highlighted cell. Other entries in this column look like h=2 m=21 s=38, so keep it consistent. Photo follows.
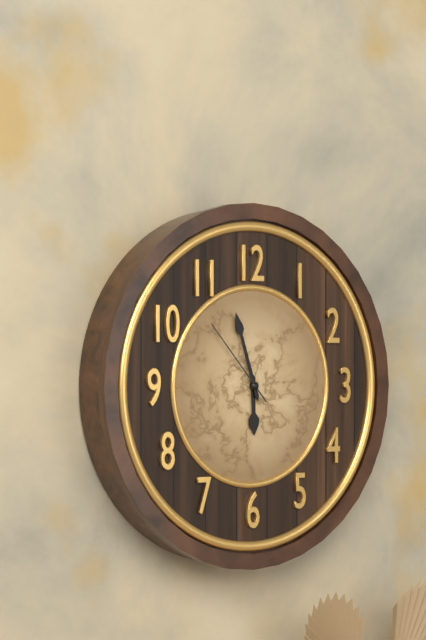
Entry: h=5 m=57 s=53
